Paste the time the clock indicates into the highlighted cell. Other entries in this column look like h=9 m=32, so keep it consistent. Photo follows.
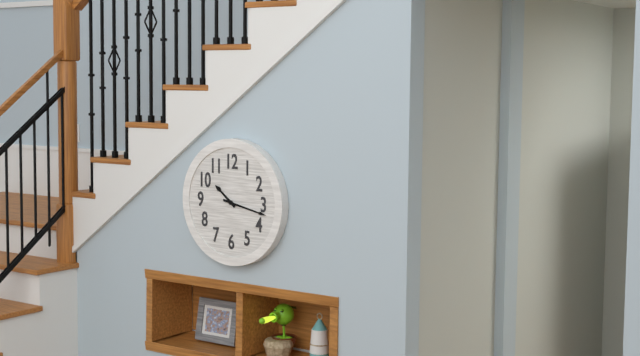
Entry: h=10 m=17
